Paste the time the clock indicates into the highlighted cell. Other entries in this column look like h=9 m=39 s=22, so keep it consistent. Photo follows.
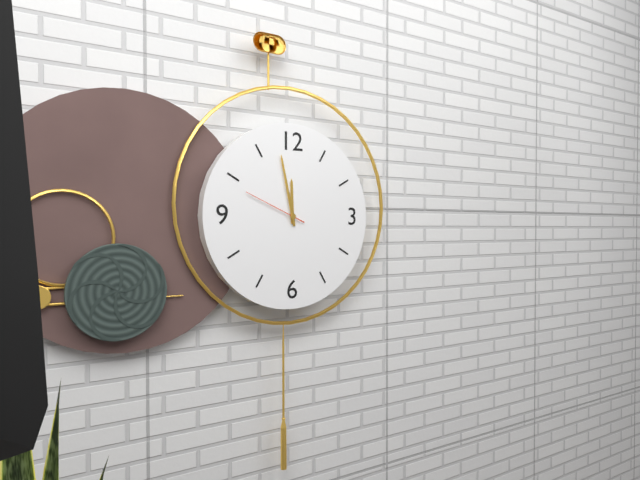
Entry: h=11 m=58 s=49
